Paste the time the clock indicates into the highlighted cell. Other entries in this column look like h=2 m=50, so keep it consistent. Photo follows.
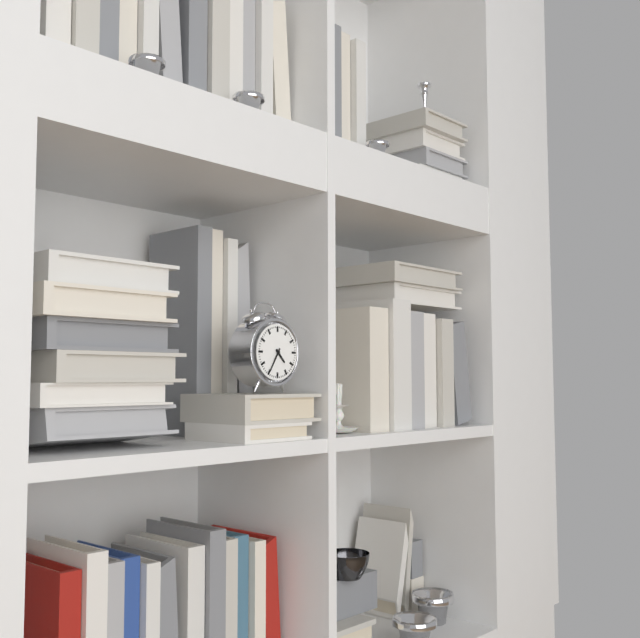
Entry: h=4 m=35
